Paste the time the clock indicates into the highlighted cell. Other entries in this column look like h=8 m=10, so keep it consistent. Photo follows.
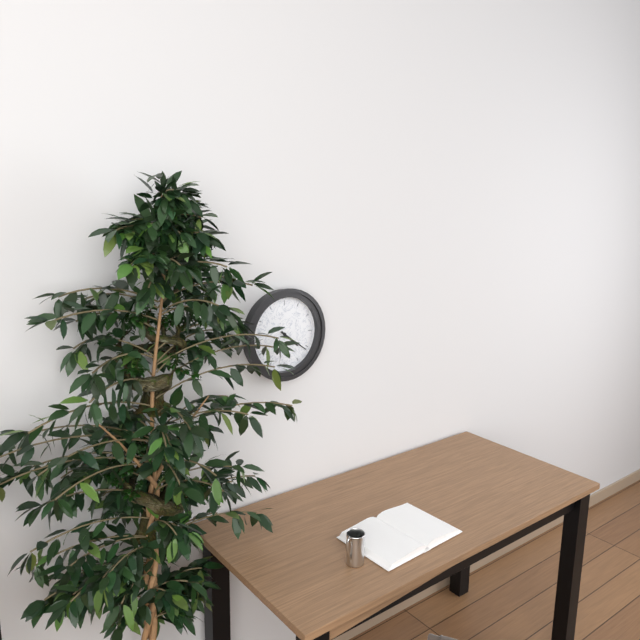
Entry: h=4 m=21
